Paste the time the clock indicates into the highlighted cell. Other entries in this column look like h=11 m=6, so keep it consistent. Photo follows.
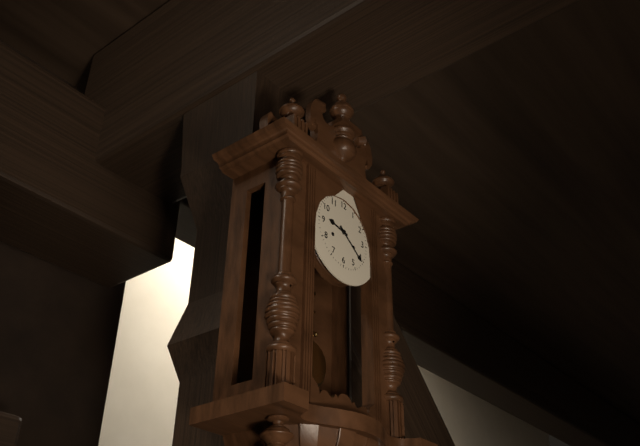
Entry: h=9 m=21
